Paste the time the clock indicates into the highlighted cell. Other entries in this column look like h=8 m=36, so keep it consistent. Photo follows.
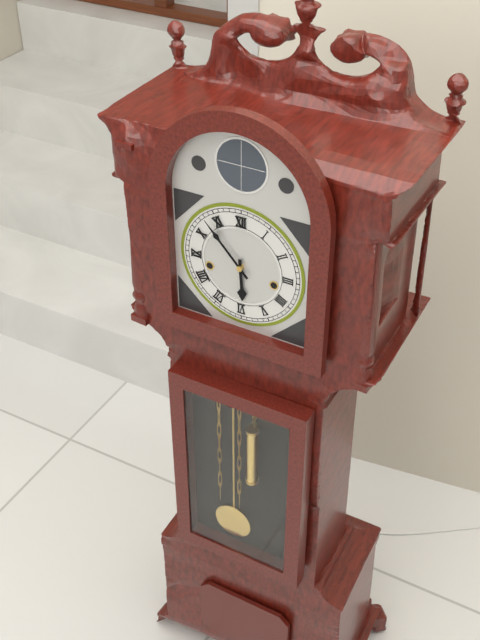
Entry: h=5 m=53
